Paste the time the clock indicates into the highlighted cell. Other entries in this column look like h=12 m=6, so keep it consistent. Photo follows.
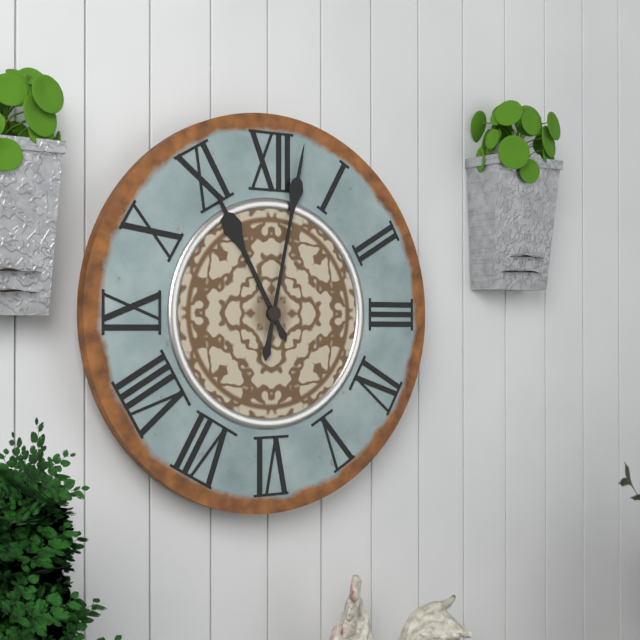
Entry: h=11 m=2
